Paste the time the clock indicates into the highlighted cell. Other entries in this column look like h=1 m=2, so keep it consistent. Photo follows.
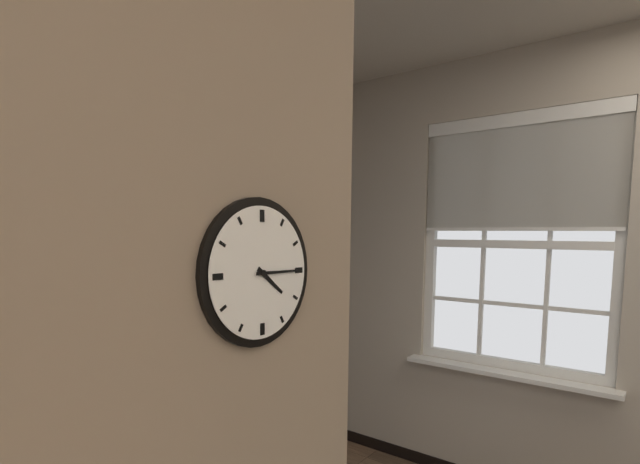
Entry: h=4 m=15
